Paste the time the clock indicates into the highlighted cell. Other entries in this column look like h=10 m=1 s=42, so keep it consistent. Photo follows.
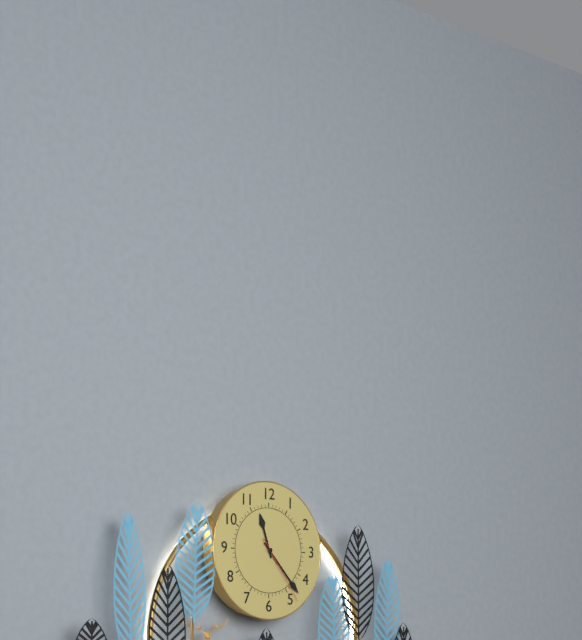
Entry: h=11 m=23 s=24
